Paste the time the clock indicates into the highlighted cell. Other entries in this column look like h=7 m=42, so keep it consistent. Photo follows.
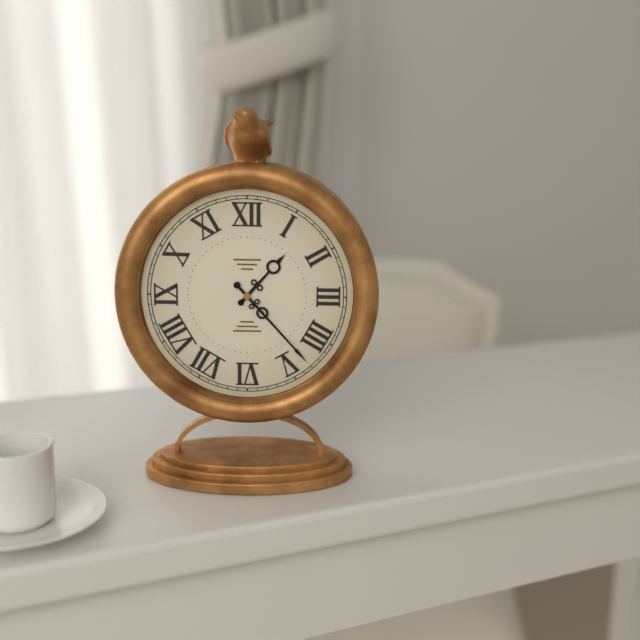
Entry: h=1 m=23
